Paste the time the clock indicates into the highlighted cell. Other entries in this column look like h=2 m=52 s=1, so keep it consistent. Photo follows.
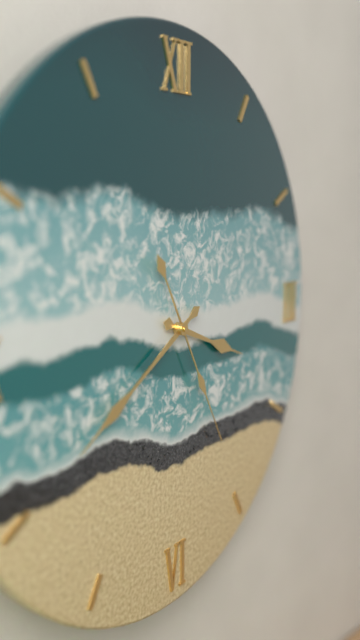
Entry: h=3 m=40 s=25
